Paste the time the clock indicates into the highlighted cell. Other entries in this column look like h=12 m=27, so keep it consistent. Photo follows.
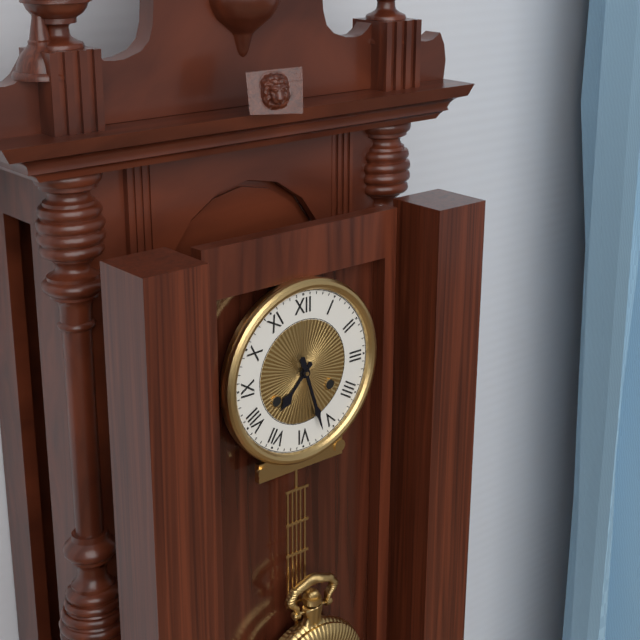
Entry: h=7 m=27
